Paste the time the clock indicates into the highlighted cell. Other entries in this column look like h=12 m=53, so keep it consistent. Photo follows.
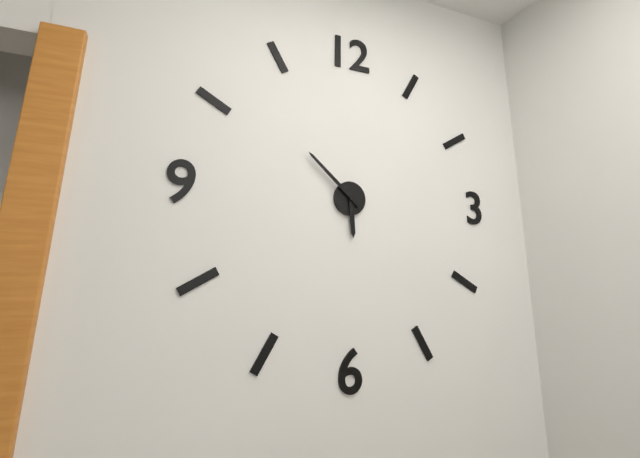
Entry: h=5 m=52
